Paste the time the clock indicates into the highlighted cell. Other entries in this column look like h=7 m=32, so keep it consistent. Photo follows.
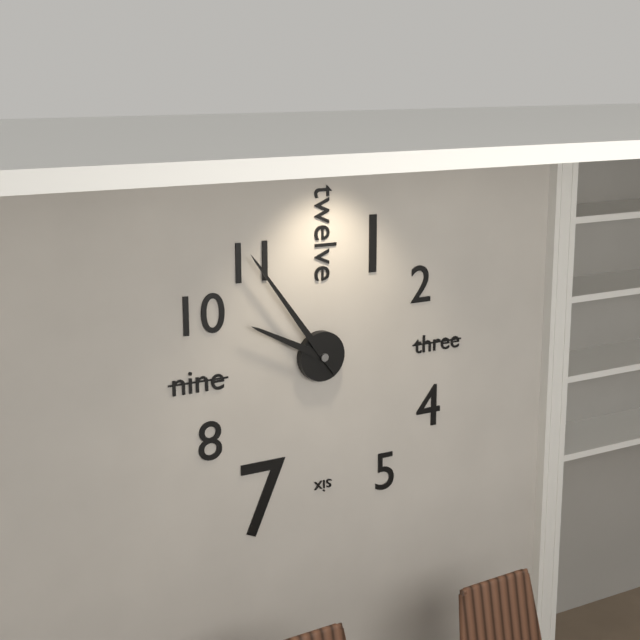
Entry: h=9 m=54
